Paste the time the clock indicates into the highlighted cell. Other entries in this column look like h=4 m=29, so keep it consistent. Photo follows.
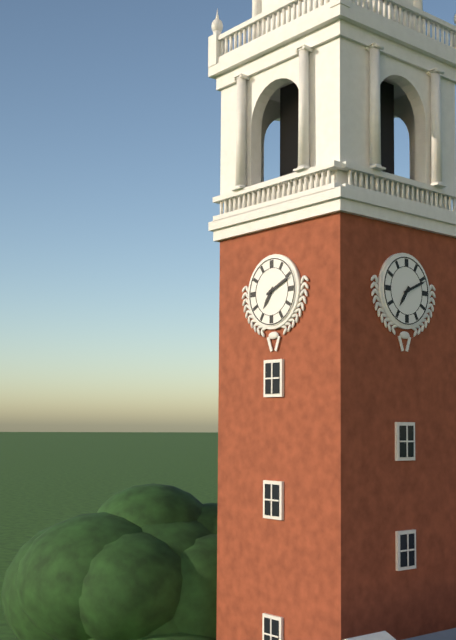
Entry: h=7 m=11
